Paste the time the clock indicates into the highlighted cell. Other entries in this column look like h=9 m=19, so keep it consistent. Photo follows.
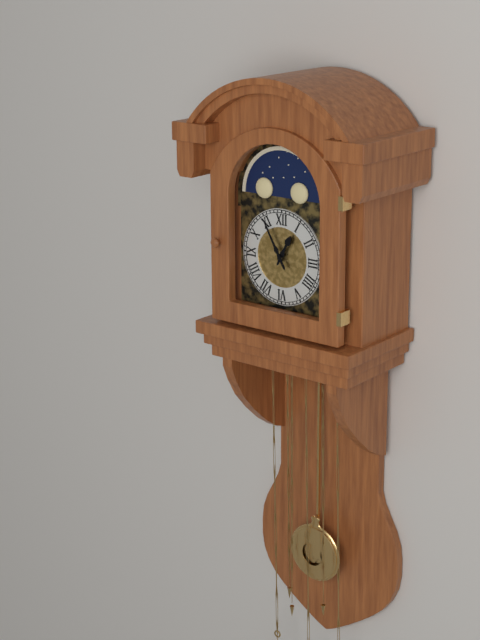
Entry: h=12 m=55
